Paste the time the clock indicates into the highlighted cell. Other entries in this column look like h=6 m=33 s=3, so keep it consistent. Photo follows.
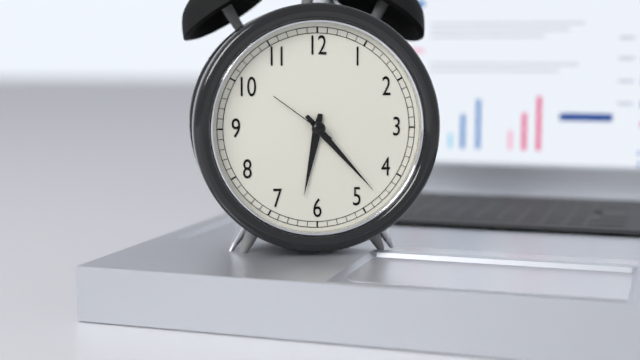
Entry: h=6 m=23 s=51
